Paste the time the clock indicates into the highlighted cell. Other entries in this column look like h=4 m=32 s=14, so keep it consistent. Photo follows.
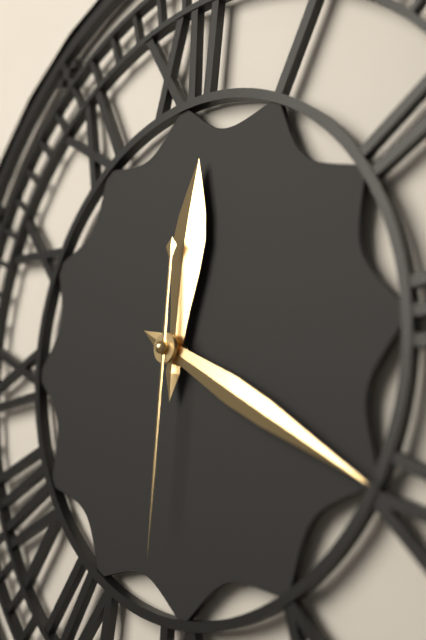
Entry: h=12 m=20 s=31
